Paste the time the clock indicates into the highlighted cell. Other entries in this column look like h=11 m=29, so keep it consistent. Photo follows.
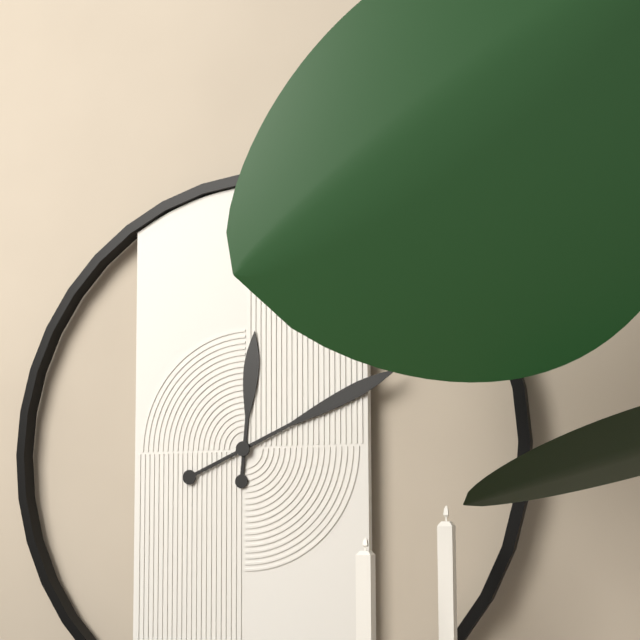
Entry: h=12 m=11
